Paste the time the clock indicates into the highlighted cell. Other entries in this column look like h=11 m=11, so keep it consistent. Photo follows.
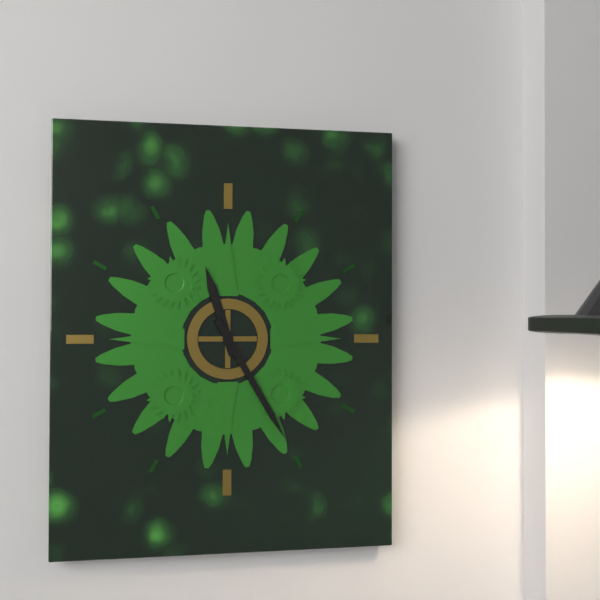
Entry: h=11 m=25
